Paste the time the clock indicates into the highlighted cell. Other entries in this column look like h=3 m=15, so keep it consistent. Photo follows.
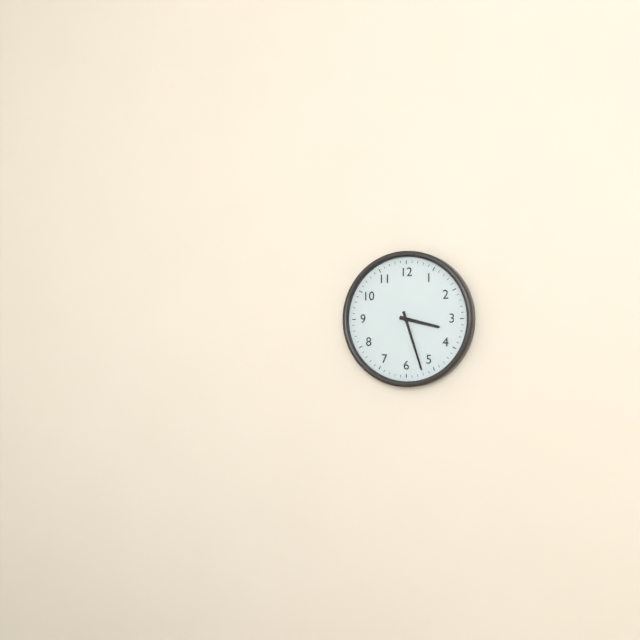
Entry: h=3 m=27
